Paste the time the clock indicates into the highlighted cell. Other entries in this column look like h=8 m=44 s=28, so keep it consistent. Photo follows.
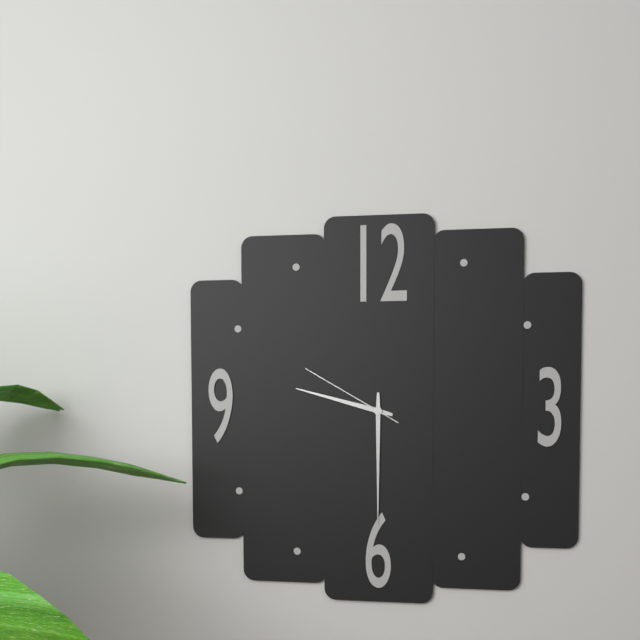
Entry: h=9 m=30 s=50
